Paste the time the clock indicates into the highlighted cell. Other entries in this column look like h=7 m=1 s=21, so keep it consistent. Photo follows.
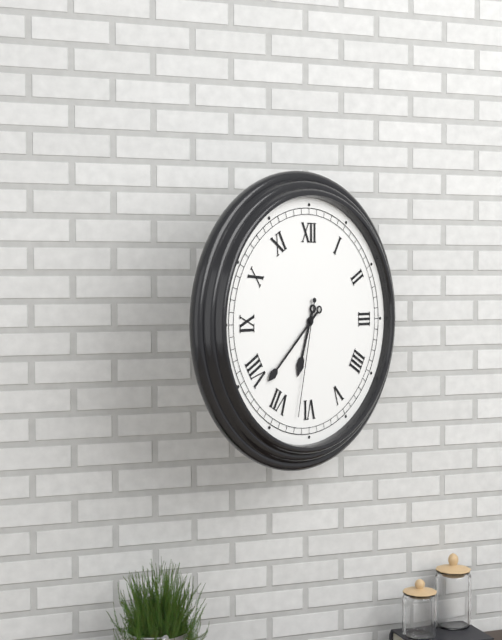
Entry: h=6 m=38 s=32
